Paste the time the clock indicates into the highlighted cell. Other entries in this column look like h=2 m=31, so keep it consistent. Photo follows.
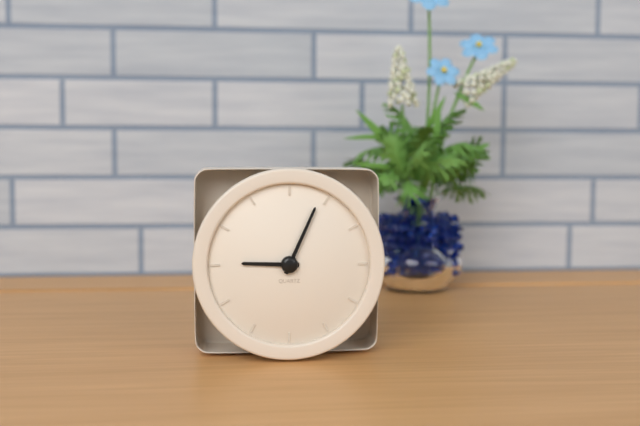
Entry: h=9 m=4
